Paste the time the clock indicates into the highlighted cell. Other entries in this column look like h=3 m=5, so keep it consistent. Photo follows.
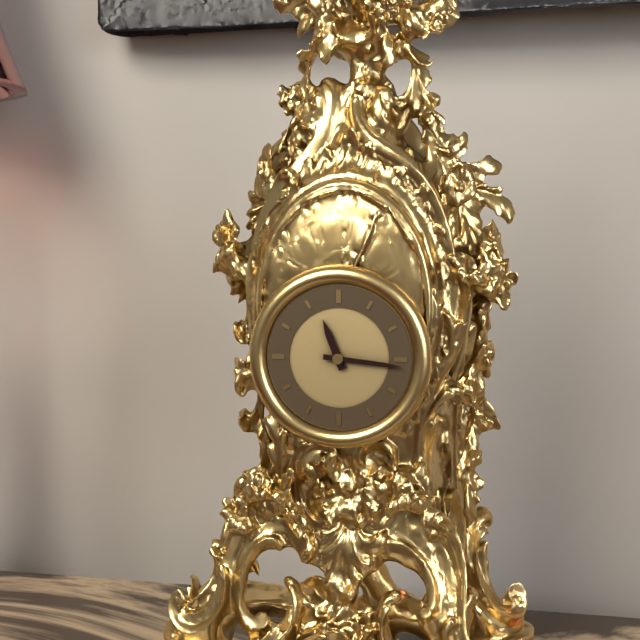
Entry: h=11 m=16
